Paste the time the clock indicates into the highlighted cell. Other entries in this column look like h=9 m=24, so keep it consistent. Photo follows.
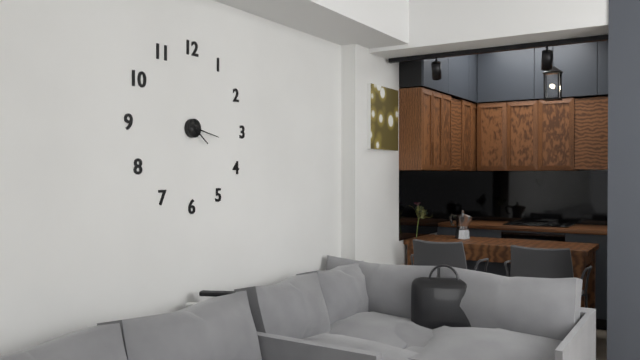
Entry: h=4 m=17
